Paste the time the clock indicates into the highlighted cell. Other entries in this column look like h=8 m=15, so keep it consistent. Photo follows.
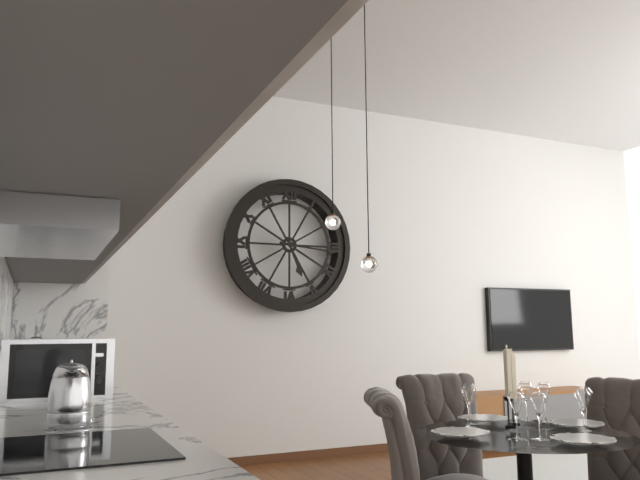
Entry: h=5 m=16
